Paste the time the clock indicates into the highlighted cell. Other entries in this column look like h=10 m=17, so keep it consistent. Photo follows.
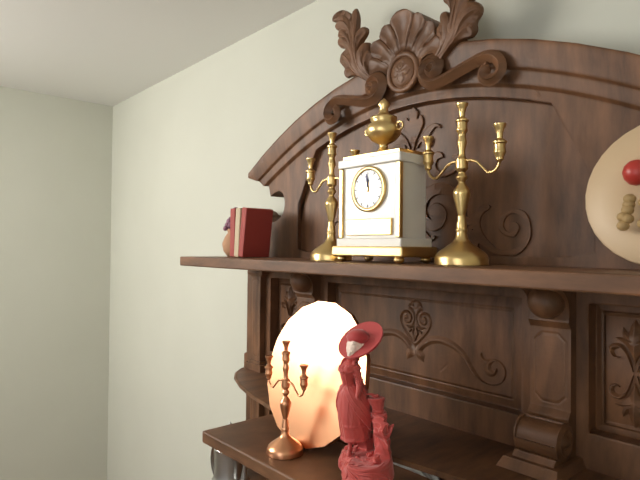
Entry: h=11 m=59
